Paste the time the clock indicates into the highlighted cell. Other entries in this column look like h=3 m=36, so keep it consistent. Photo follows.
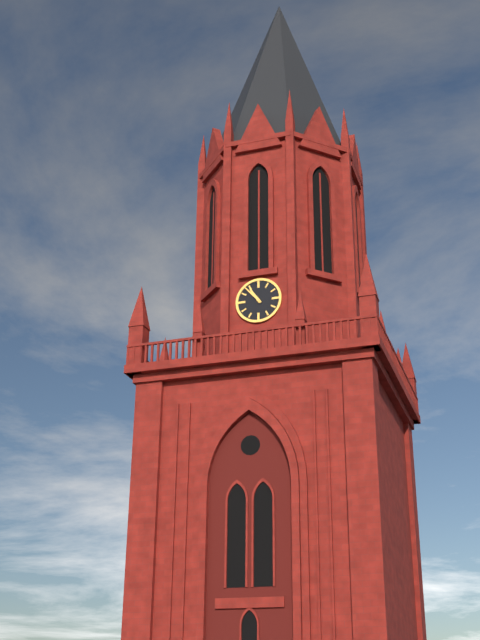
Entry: h=10 m=53
